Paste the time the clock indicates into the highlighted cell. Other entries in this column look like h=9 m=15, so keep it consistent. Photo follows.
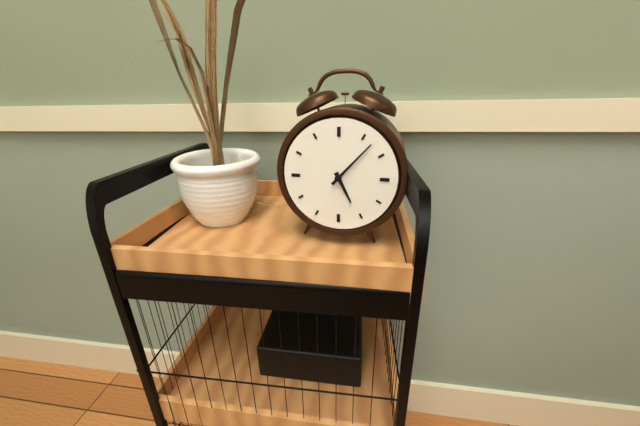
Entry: h=5 m=7
